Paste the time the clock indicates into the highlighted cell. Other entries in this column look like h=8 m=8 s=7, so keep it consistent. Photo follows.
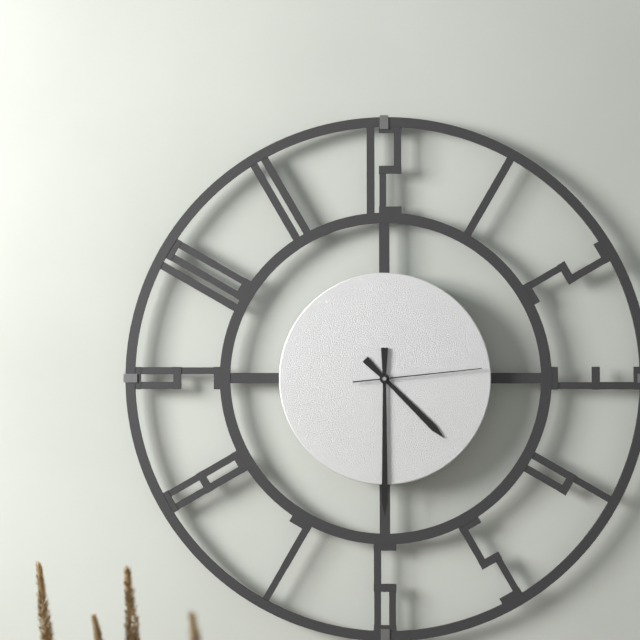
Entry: h=4 m=30 s=14
